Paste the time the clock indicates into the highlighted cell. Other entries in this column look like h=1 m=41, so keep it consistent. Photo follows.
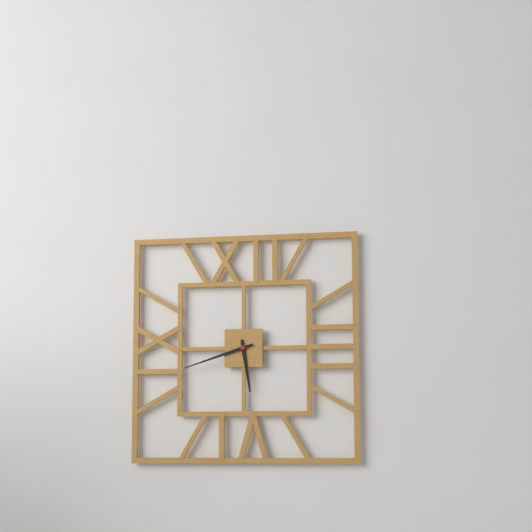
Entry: h=5 m=42
